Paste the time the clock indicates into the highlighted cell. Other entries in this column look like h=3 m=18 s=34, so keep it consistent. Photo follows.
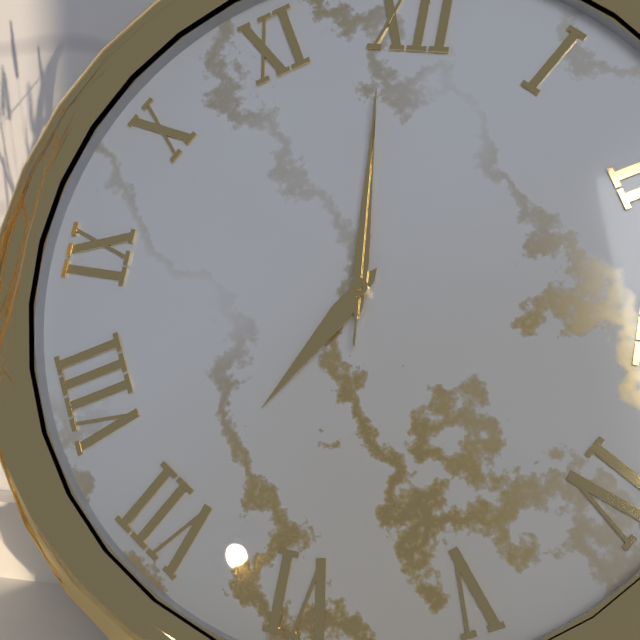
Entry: h=6 m=59 s=59
